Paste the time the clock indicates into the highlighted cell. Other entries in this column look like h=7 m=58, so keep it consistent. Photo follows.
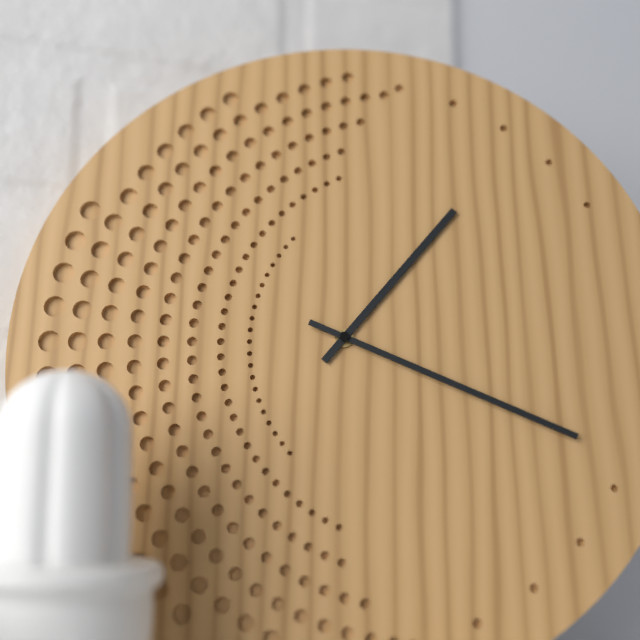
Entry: h=1 m=19
